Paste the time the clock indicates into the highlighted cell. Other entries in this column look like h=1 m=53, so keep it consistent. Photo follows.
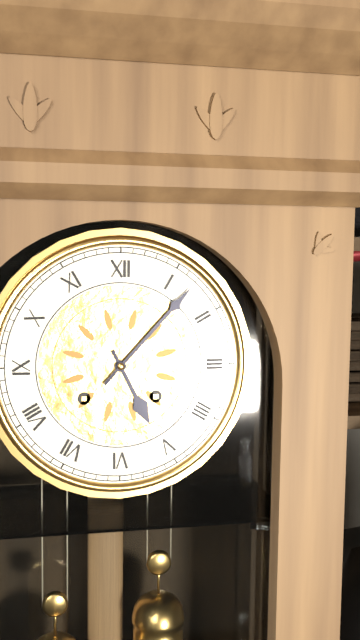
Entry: h=5 m=7
